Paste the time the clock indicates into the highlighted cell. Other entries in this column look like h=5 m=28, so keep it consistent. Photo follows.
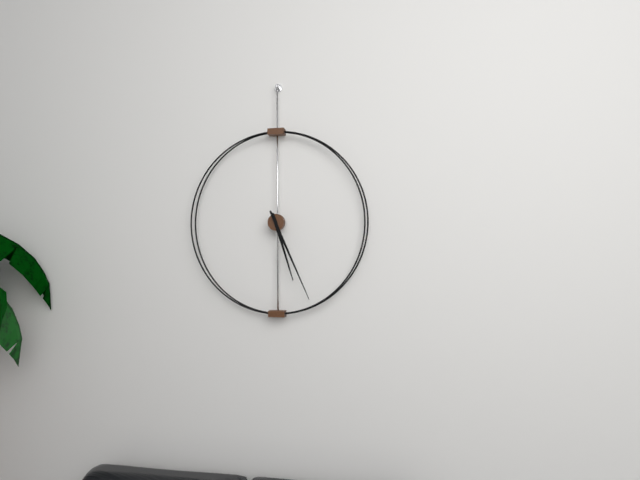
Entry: h=5 m=26
